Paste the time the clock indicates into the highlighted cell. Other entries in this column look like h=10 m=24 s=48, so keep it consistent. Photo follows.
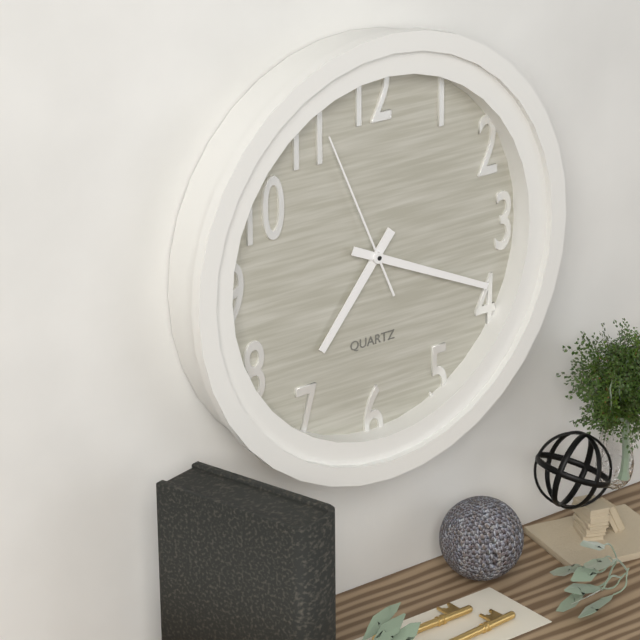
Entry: h=7 m=19 s=56
